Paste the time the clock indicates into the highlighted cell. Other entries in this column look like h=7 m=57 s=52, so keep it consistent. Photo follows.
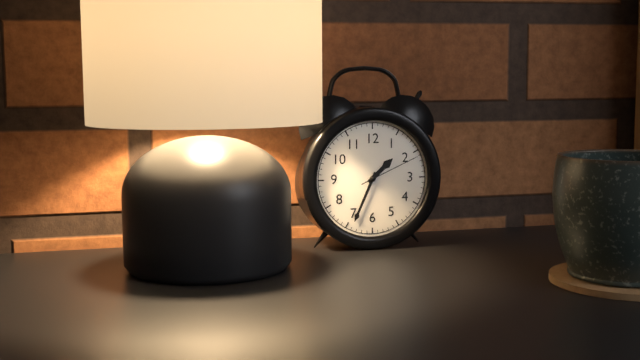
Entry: h=1 m=34 s=11
